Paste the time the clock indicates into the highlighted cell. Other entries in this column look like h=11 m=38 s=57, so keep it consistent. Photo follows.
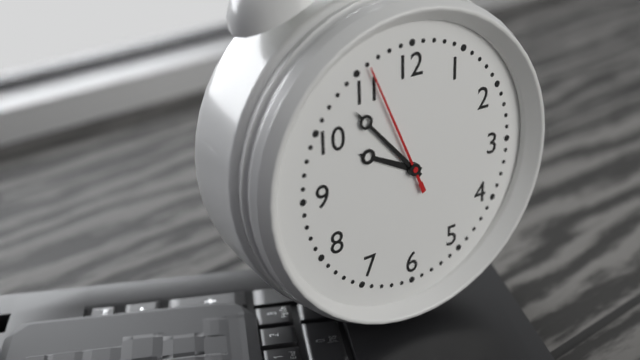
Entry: h=9 m=53 s=56
